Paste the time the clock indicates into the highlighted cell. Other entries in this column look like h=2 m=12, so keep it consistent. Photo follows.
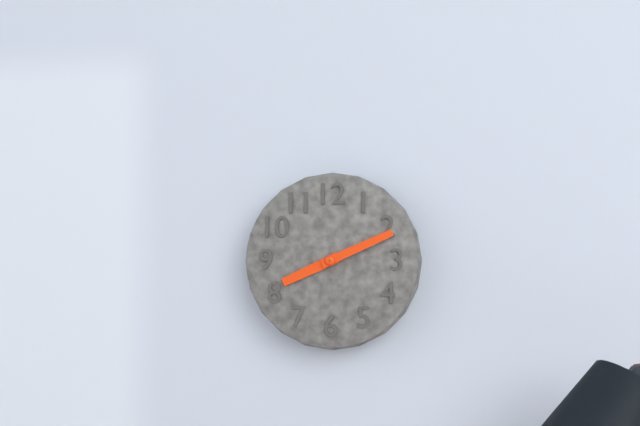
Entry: h=8 m=11
